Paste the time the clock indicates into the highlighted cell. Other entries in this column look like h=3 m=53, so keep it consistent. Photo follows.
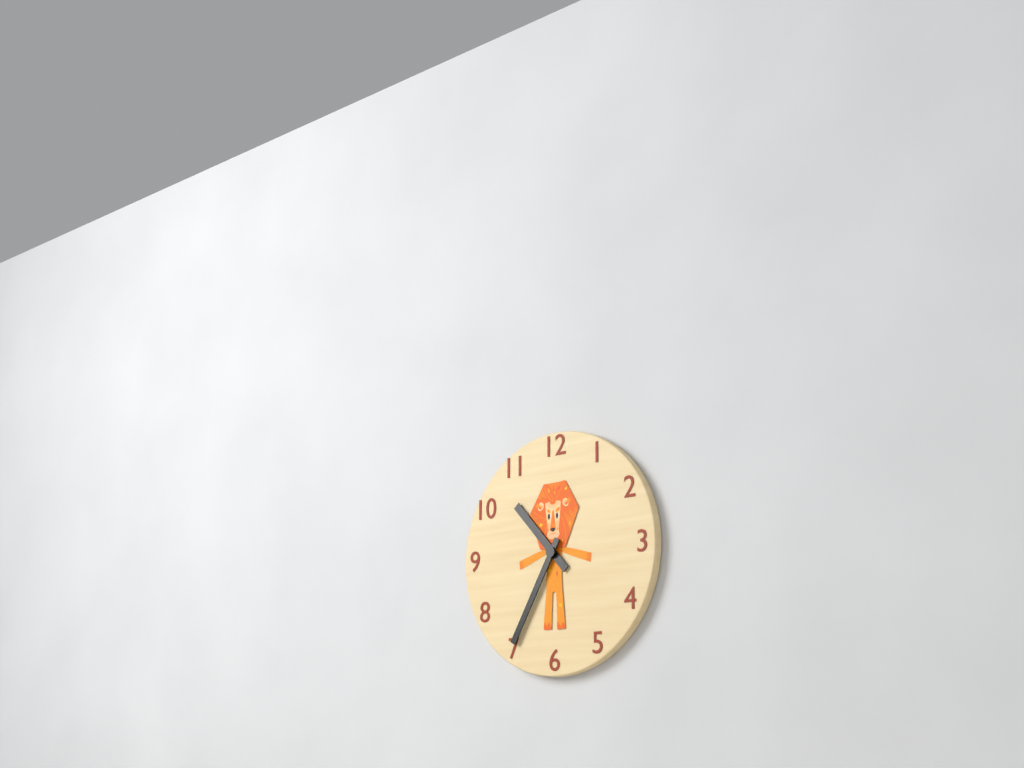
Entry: h=10 m=35
